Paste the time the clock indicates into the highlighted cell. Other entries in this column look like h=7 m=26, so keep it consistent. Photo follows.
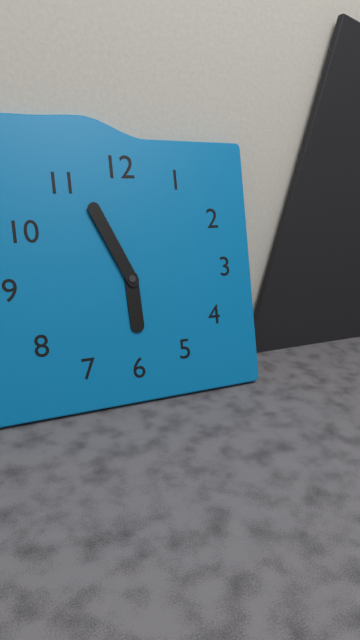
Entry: h=5 m=56
